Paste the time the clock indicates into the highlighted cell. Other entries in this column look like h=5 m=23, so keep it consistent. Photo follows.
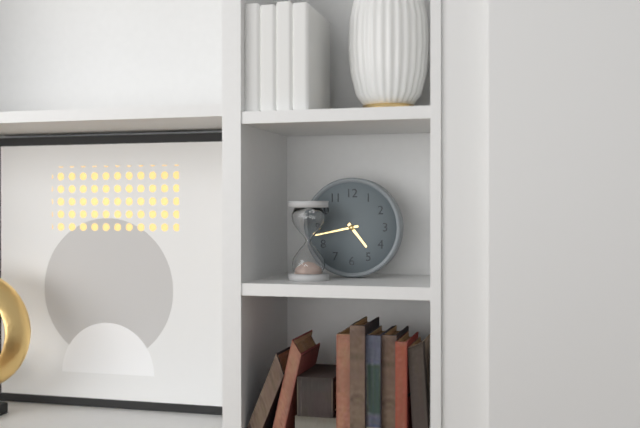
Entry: h=4 m=43
